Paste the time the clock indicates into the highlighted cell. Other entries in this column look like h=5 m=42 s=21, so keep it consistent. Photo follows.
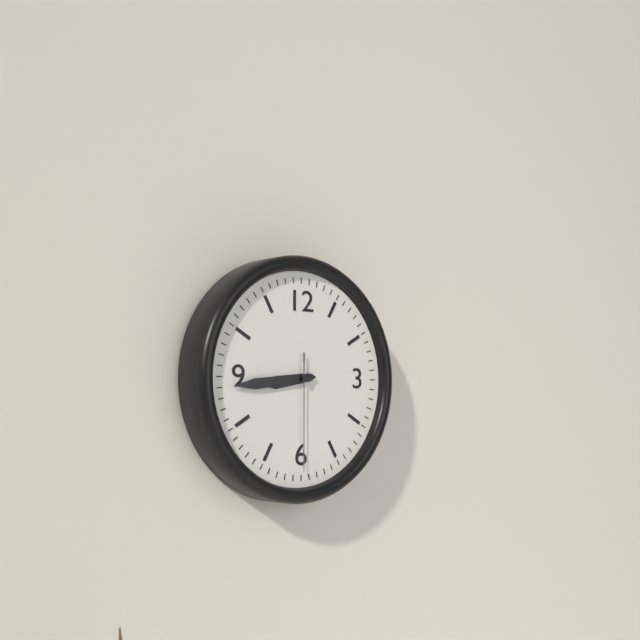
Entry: h=8 m=44 s=30
